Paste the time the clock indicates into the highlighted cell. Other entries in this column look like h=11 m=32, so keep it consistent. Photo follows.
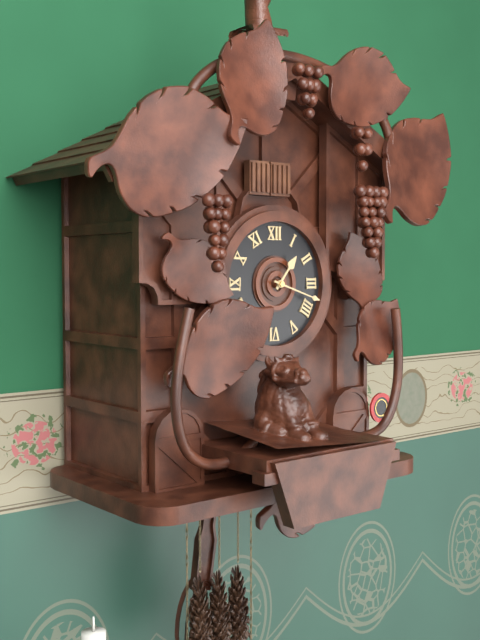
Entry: h=1 m=18
